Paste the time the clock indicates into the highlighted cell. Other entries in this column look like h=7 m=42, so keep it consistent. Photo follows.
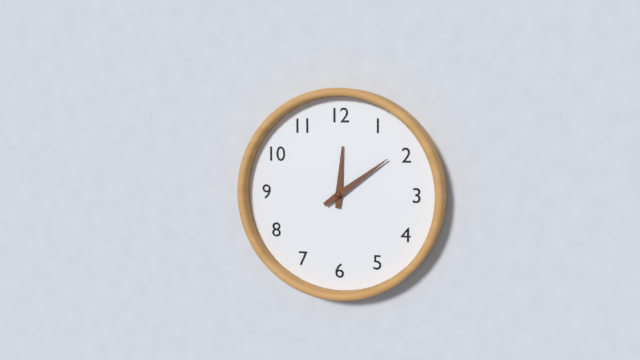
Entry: h=12 m=9
